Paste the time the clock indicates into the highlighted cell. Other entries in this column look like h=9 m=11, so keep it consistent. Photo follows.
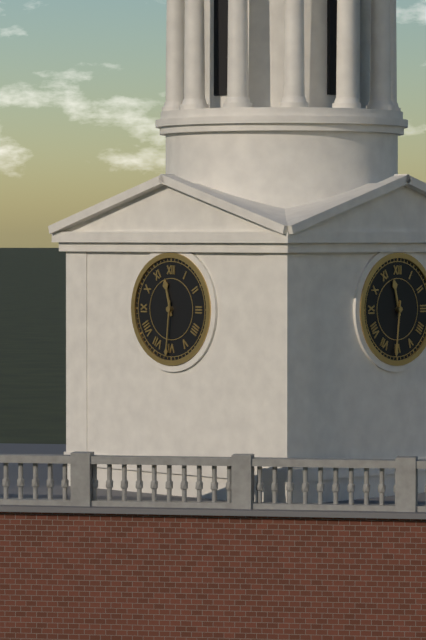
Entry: h=11 m=31
